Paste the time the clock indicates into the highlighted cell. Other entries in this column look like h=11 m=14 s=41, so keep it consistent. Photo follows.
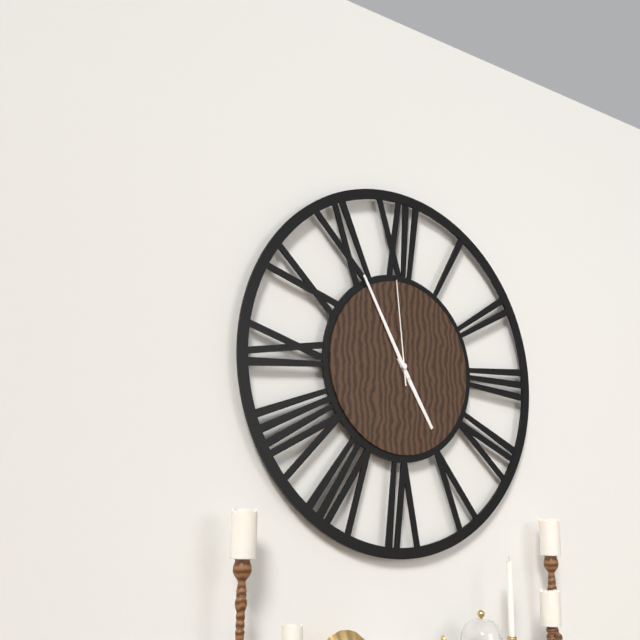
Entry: h=4 m=55 s=59
